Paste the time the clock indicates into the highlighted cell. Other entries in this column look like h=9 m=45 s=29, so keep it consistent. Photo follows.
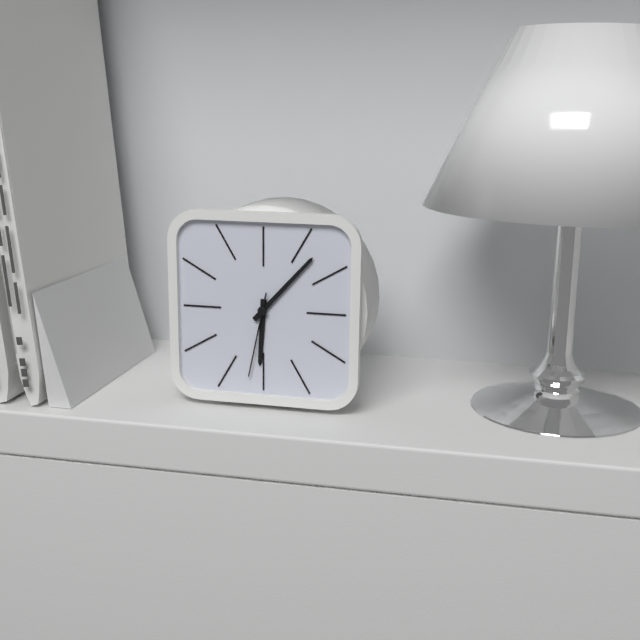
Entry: h=6 m=7 s=32
